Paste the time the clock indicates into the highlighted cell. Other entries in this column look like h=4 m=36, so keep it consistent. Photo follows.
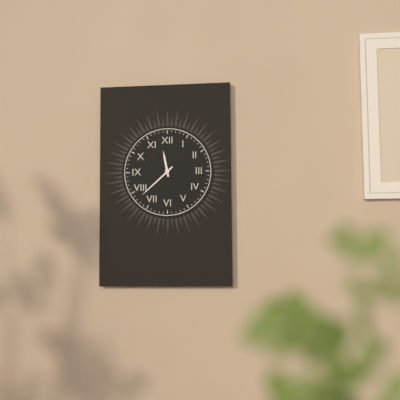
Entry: h=11 m=38
